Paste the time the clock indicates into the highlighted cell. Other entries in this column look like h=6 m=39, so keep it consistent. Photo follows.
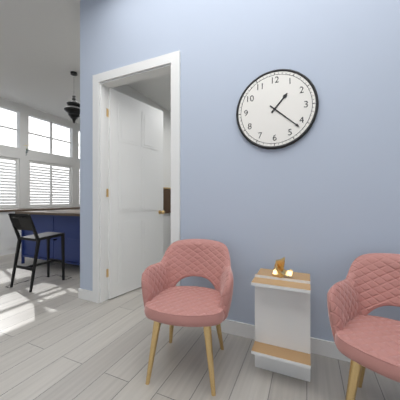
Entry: h=1 m=22
